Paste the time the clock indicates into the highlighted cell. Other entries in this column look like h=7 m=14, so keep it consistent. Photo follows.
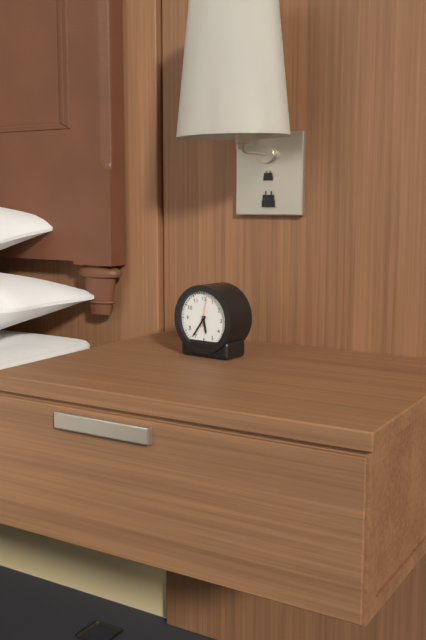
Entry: h=5 m=36
